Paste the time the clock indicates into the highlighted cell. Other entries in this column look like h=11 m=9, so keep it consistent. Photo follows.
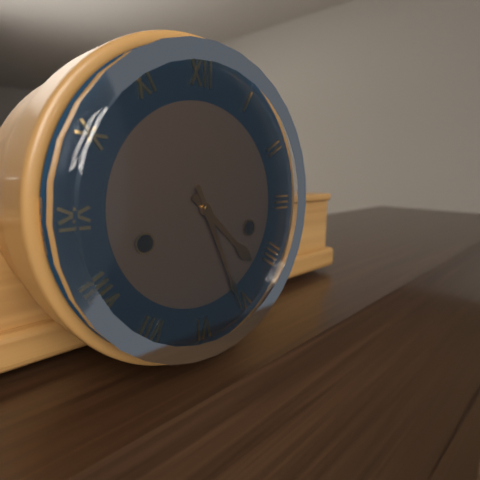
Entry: h=4 m=26
